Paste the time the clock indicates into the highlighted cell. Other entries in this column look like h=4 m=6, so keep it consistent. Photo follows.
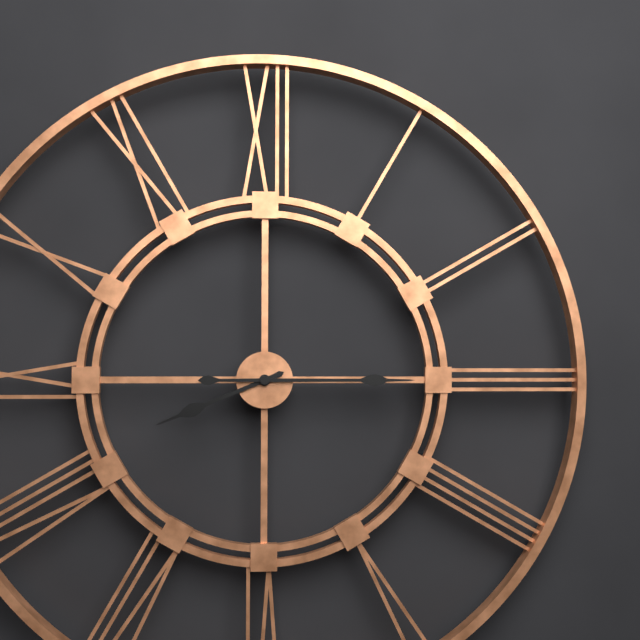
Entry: h=8 m=15
